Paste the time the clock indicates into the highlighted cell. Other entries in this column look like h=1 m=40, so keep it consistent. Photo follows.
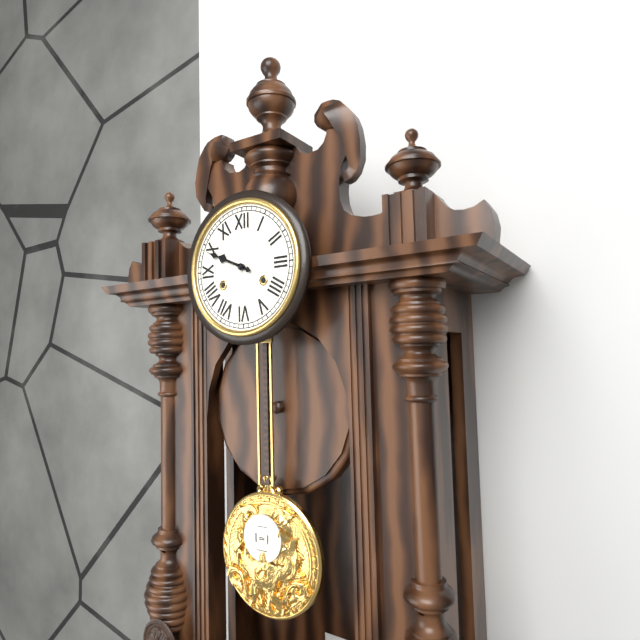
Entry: h=9 m=49
